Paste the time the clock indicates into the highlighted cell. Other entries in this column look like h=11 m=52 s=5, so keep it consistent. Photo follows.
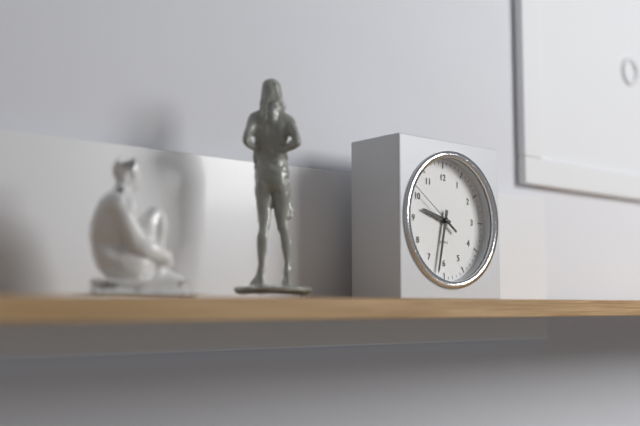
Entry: h=9 m=32 s=51
